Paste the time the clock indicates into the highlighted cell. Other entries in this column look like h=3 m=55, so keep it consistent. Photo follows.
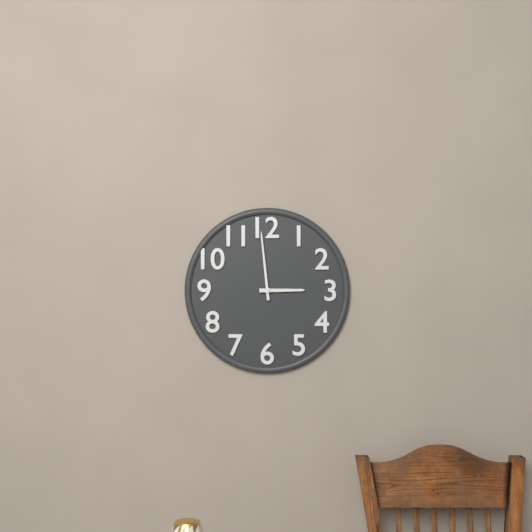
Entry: h=2 m=59
